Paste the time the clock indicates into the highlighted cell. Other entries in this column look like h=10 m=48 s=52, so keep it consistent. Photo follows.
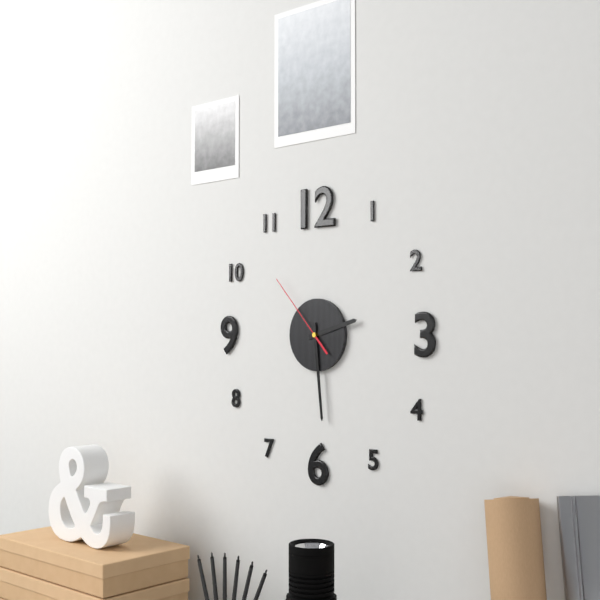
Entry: h=2 m=29 s=53
